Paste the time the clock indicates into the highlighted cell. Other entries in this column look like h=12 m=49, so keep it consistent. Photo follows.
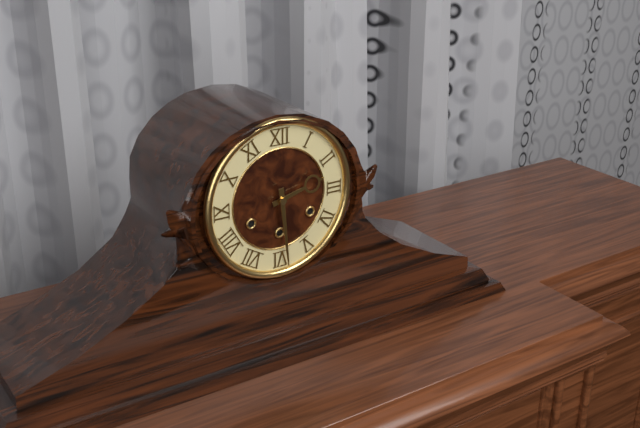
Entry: h=2 m=29
